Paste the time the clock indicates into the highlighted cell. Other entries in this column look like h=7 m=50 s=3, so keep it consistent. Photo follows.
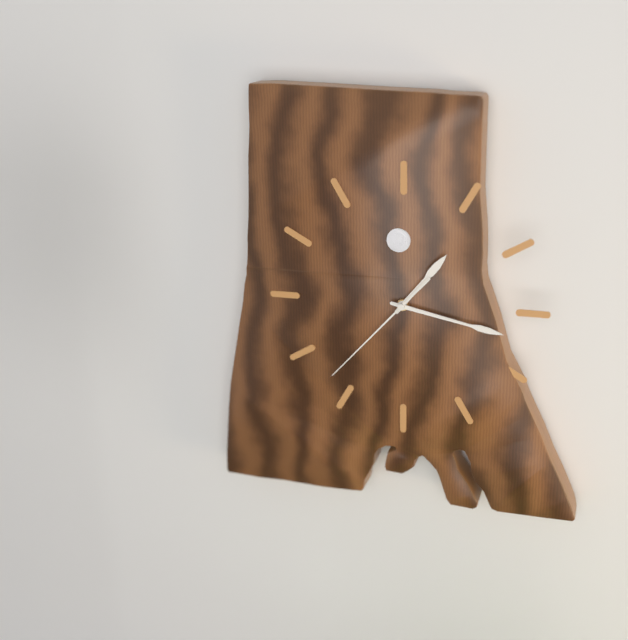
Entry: h=1 m=17 s=37
